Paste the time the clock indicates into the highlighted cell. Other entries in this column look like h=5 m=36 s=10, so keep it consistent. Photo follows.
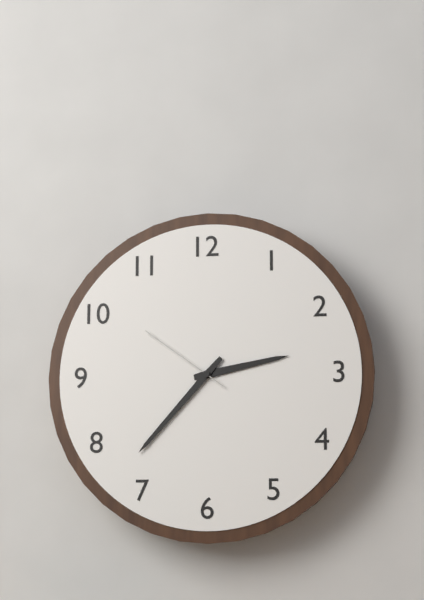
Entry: h=2 m=37 s=51
